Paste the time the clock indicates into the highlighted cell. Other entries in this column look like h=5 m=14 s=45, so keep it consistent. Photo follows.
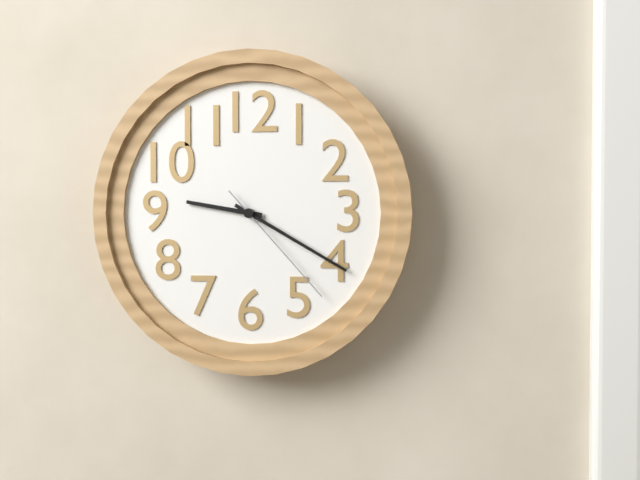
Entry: h=9 m=20 s=23
